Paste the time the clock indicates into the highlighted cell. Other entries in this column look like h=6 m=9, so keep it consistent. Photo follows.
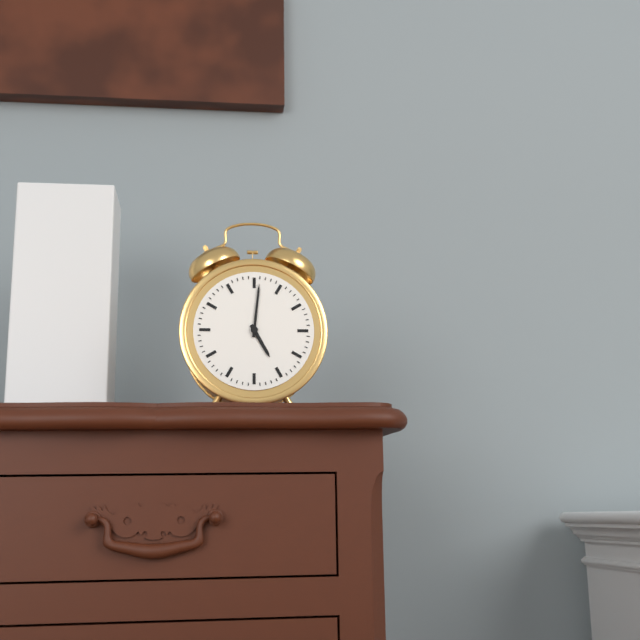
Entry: h=5 m=1
